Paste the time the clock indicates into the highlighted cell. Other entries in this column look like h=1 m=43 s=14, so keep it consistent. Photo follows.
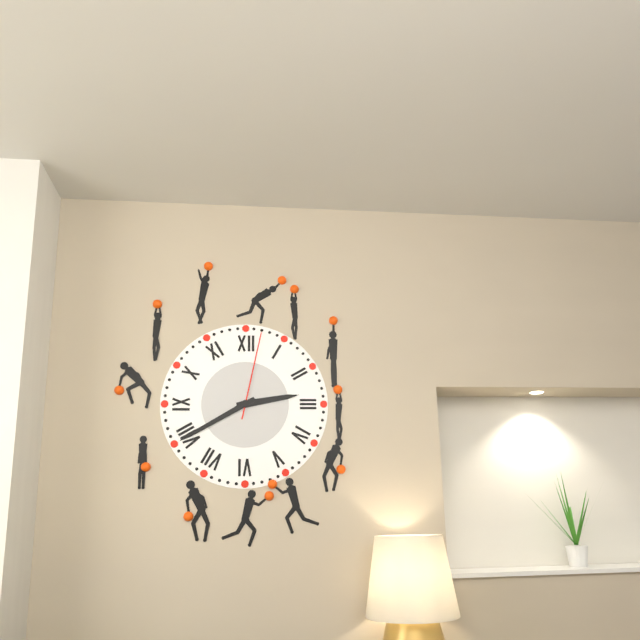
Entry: h=2 m=40 s=2
